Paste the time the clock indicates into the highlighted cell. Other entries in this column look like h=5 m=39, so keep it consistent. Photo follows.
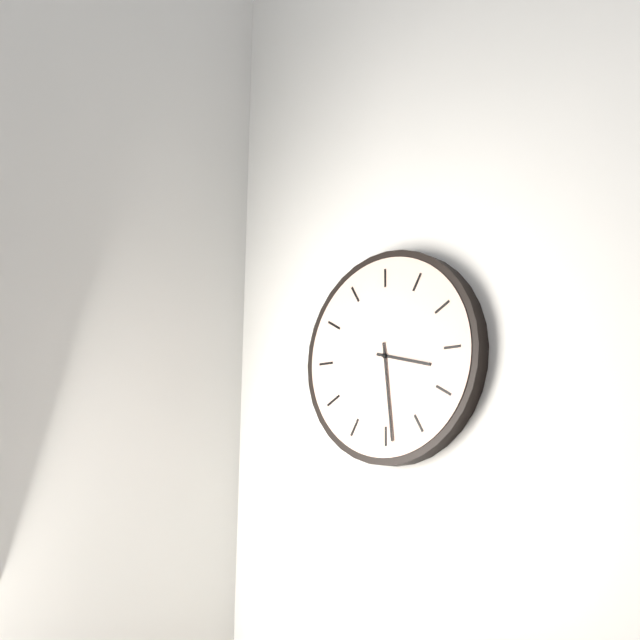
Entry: h=3 m=29
